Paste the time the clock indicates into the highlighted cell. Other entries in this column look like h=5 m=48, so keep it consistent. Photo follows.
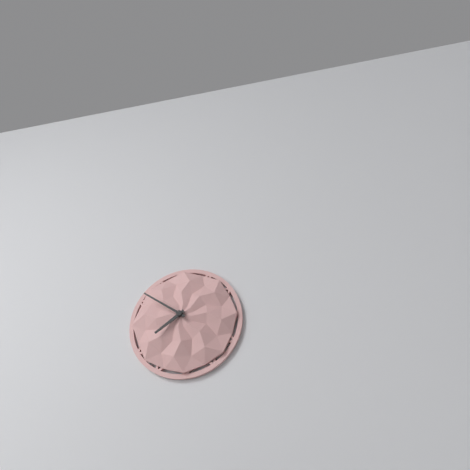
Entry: h=7 m=51
